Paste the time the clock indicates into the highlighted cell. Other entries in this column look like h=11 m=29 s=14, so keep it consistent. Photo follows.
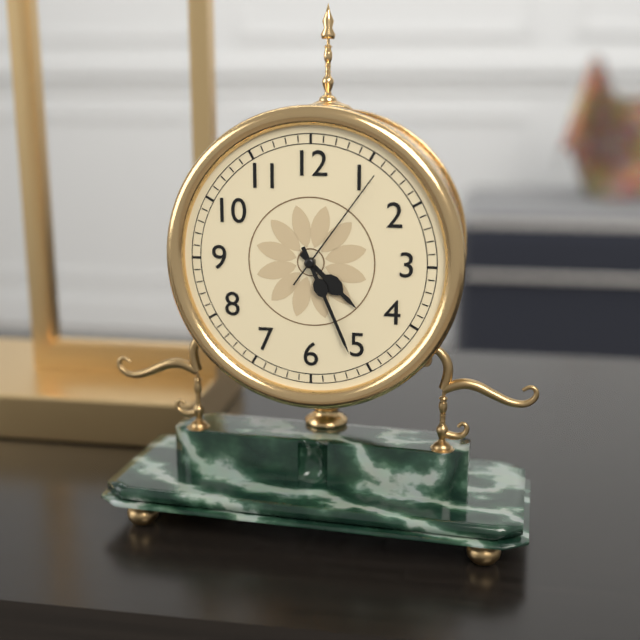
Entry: h=4 m=26 s=6
